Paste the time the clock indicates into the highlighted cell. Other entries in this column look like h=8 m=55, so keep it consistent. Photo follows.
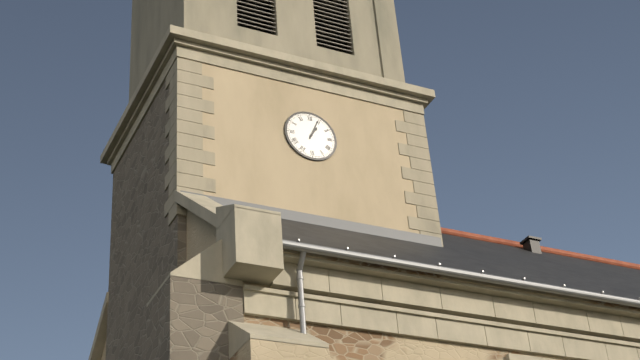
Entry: h=1 m=4
